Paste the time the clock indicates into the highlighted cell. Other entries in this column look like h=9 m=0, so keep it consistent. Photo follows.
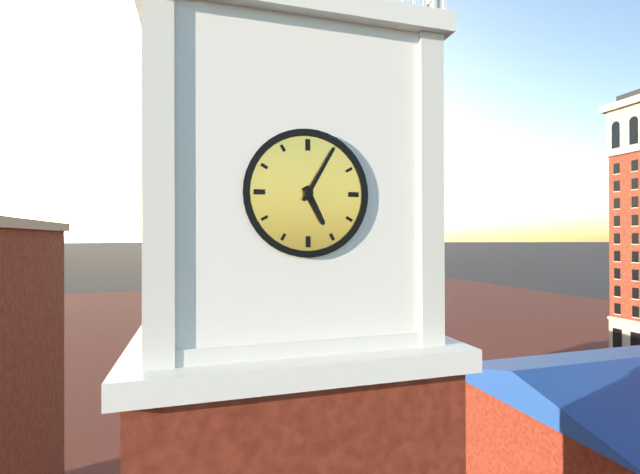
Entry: h=5 m=5
